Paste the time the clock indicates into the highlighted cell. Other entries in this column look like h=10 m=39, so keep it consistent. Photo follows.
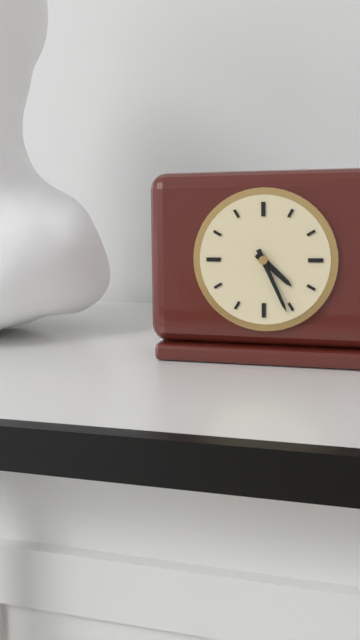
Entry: h=4 m=26
